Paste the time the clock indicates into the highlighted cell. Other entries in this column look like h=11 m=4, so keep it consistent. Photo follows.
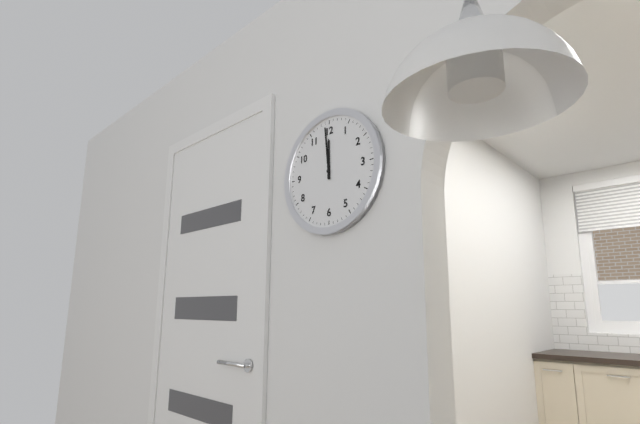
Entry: h=11 m=59
